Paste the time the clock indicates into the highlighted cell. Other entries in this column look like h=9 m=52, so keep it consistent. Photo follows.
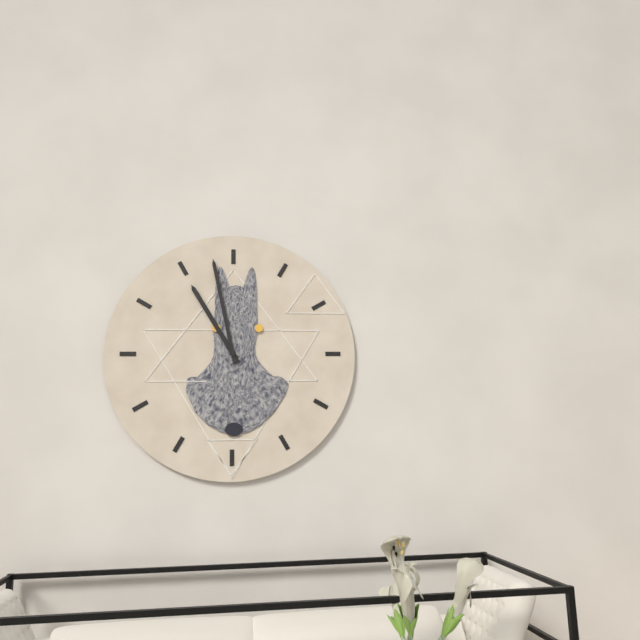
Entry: h=10 m=58
